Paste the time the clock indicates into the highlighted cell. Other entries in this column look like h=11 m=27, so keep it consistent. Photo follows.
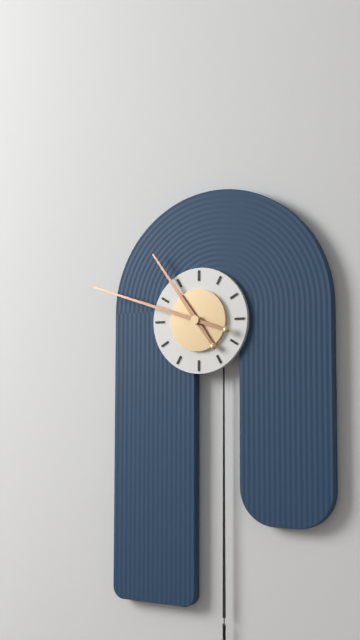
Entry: h=10 m=48
